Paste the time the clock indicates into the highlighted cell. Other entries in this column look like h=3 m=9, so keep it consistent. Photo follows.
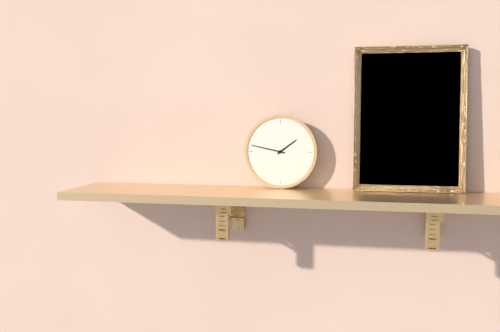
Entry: h=1 m=47
